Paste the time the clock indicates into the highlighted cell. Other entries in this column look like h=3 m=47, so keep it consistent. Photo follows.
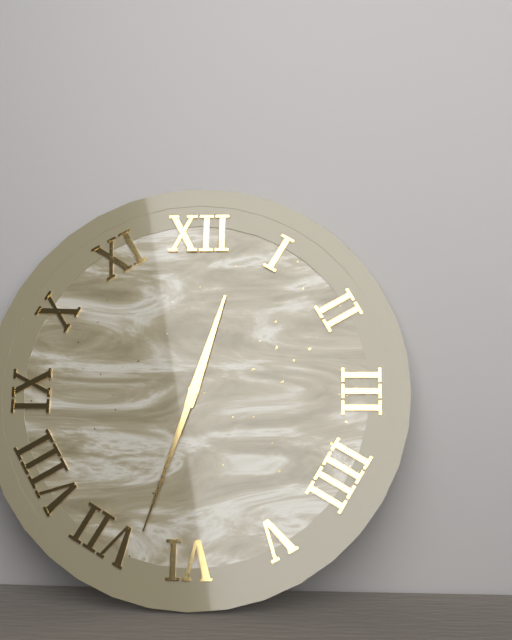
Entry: h=12 m=33
